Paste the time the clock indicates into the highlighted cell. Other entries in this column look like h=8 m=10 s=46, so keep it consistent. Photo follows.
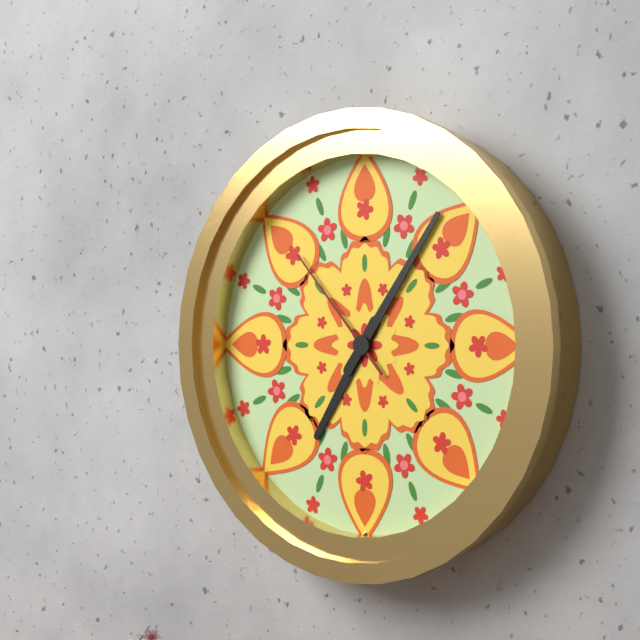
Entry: h=7 m=6 s=53
